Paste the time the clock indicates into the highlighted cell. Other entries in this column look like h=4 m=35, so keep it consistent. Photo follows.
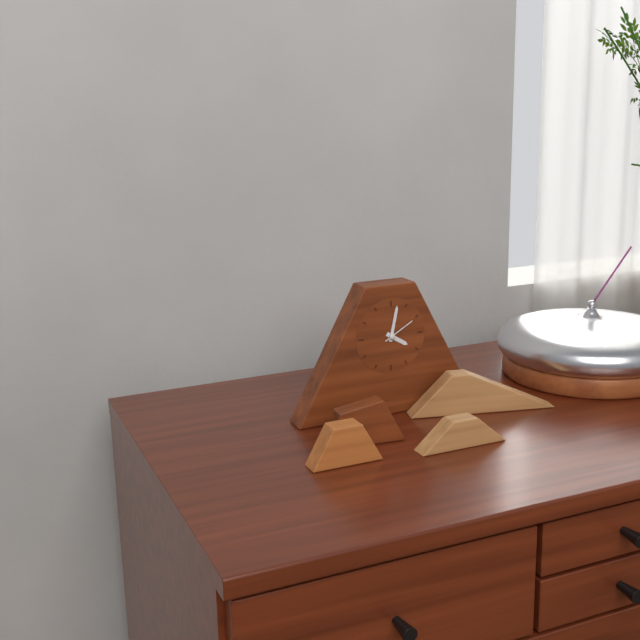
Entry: h=4 m=2
